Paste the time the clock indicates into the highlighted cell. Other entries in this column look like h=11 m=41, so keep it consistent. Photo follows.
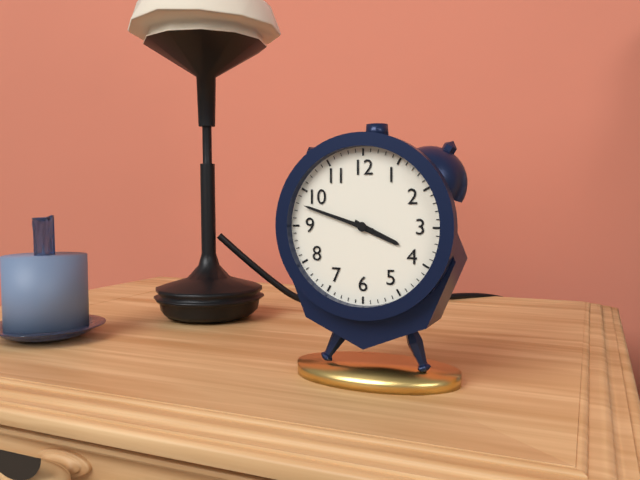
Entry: h=3 m=48
